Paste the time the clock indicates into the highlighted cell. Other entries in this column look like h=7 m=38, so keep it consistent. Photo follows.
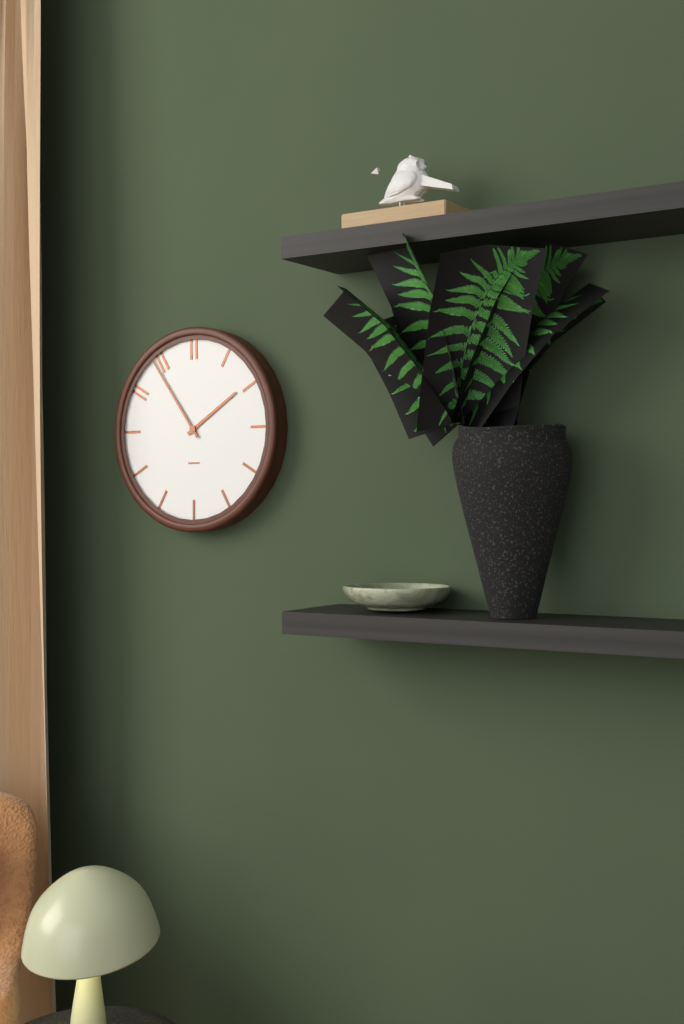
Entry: h=1 m=54
